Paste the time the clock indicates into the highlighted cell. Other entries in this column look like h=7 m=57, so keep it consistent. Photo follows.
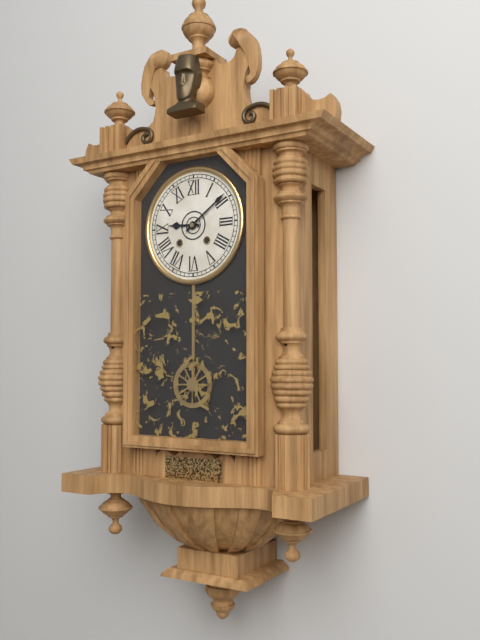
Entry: h=9 m=9
